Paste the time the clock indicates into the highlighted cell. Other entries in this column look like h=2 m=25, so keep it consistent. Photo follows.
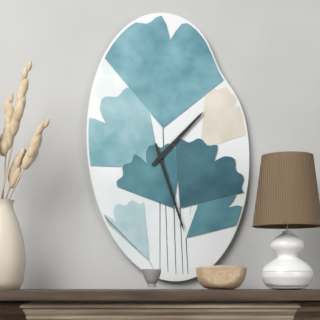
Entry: h=1 m=27
